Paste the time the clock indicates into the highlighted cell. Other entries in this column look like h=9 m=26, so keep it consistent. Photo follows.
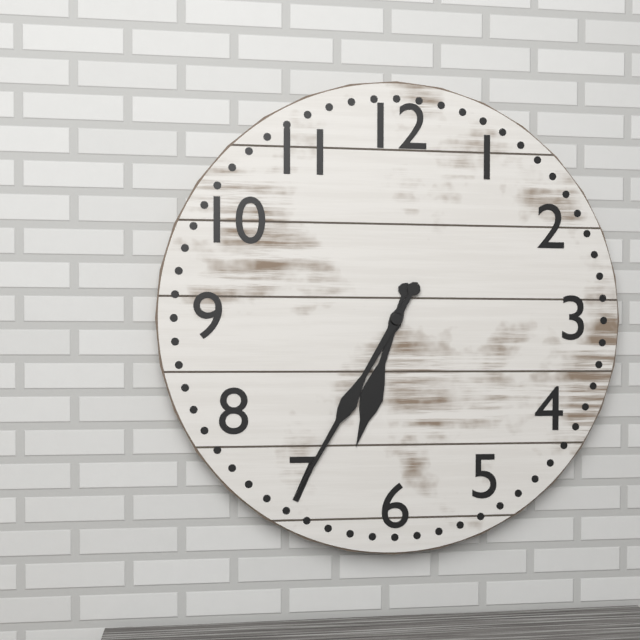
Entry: h=6 m=35
